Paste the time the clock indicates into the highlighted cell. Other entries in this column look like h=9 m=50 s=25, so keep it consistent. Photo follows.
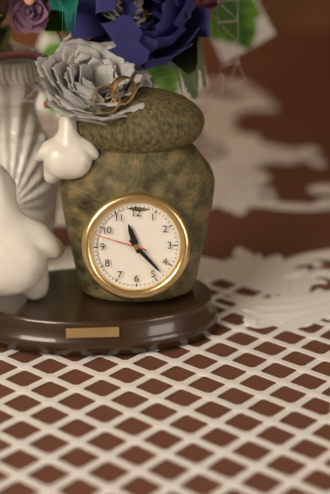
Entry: h=11 m=23 s=48
